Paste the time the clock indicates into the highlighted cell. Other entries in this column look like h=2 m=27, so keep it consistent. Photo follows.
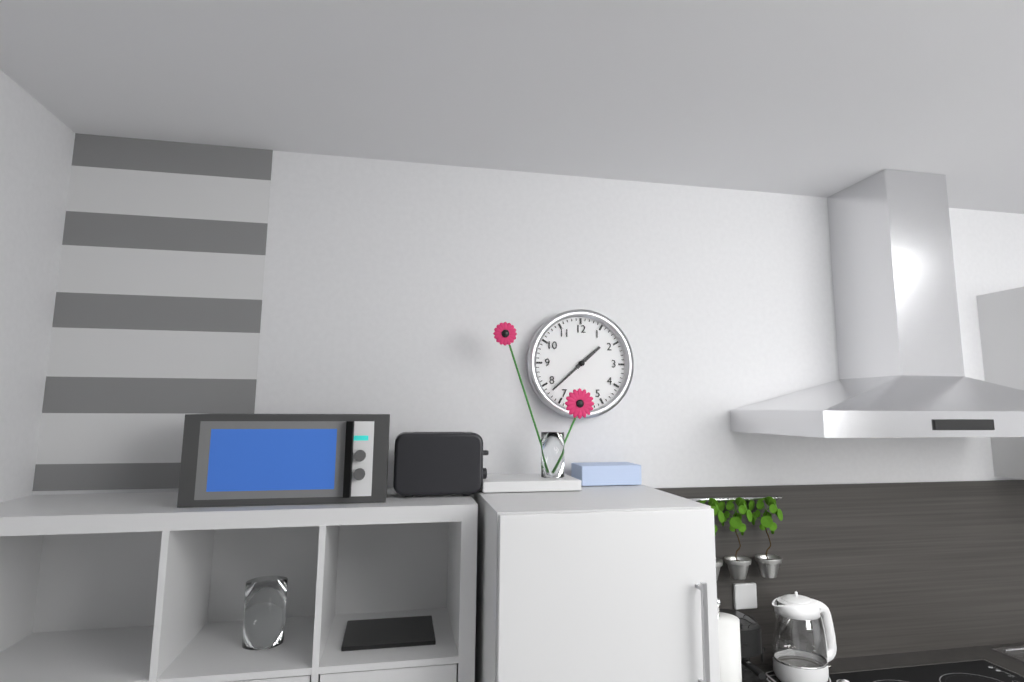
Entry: h=1 m=38
